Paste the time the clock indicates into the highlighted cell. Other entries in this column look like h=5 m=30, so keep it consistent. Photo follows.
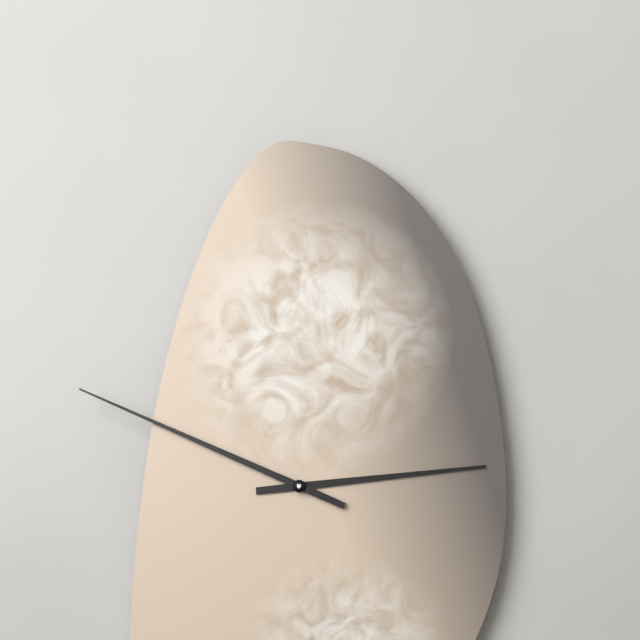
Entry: h=2 m=49
